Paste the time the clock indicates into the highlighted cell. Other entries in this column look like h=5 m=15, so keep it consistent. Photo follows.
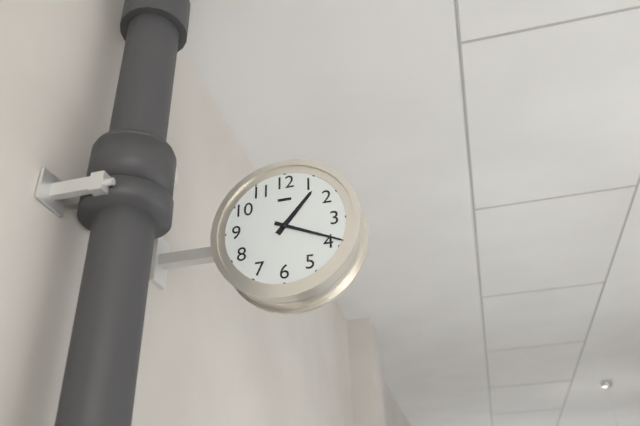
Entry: h=1 m=19
